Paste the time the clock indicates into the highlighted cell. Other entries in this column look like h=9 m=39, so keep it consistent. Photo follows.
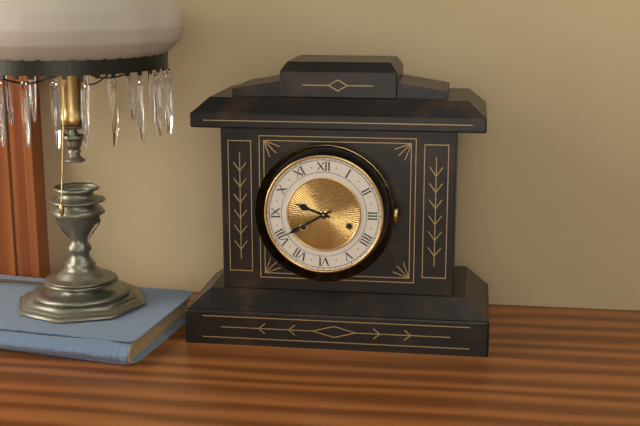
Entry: h=9 m=40
